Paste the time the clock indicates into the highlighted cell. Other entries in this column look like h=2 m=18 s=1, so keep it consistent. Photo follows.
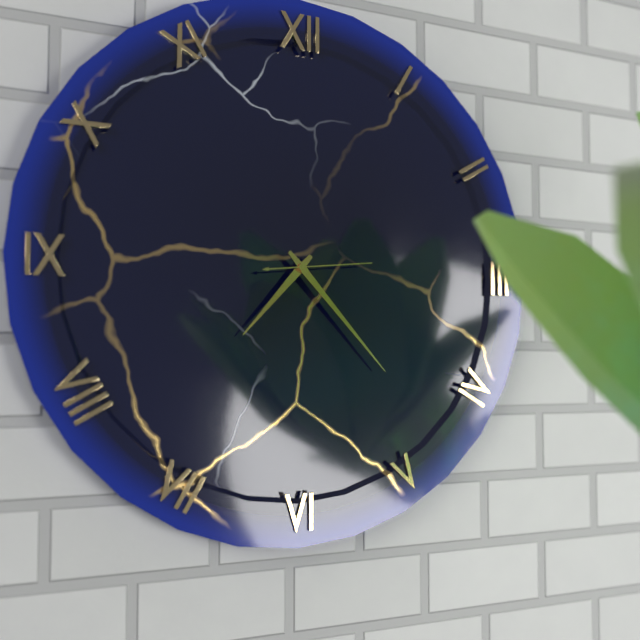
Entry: h=7 m=23 s=14
